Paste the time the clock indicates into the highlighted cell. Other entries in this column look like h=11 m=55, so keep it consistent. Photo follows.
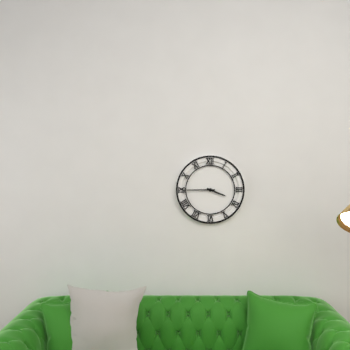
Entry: h=3 m=45
